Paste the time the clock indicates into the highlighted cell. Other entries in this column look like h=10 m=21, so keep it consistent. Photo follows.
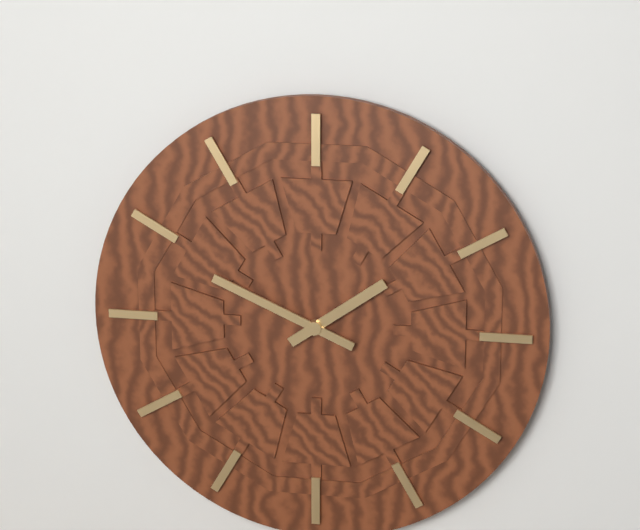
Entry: h=1 m=49
